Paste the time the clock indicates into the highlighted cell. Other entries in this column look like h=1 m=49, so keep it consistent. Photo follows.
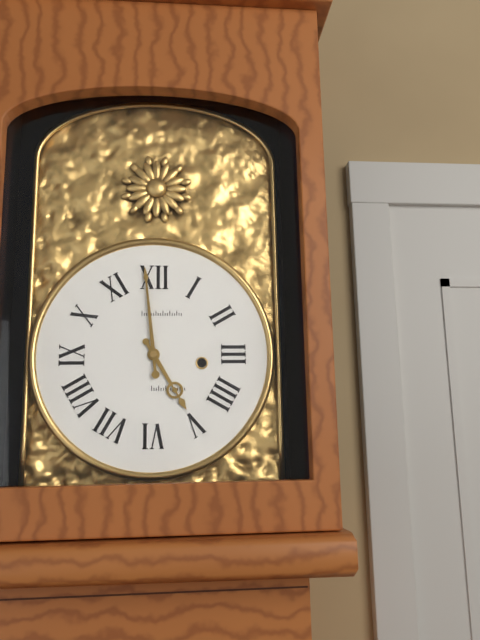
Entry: h=4 m=59
